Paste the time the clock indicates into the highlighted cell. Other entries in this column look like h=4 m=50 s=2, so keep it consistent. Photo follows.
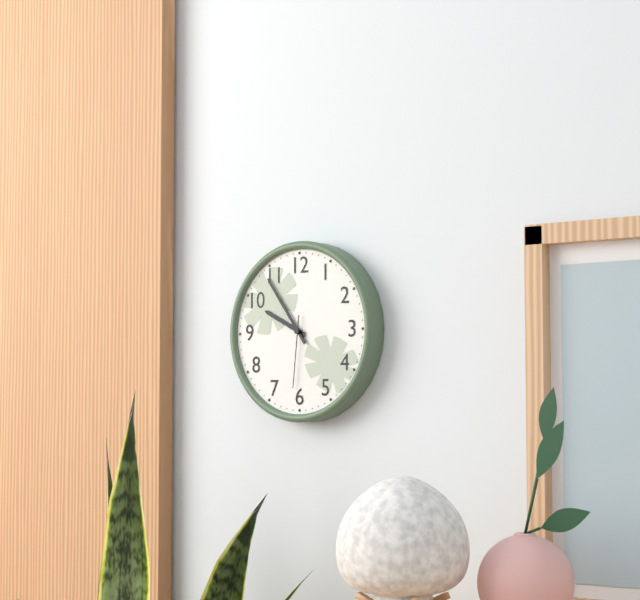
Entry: h=9 m=54 s=31
